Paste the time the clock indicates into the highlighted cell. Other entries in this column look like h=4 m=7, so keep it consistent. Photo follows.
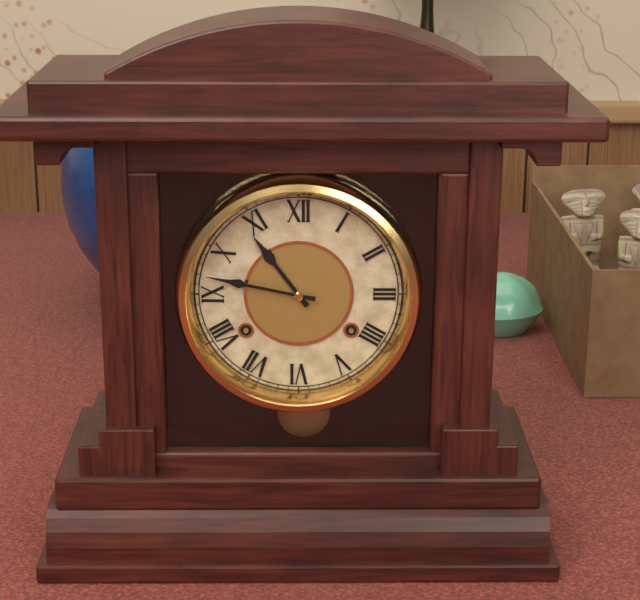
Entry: h=10 m=47
